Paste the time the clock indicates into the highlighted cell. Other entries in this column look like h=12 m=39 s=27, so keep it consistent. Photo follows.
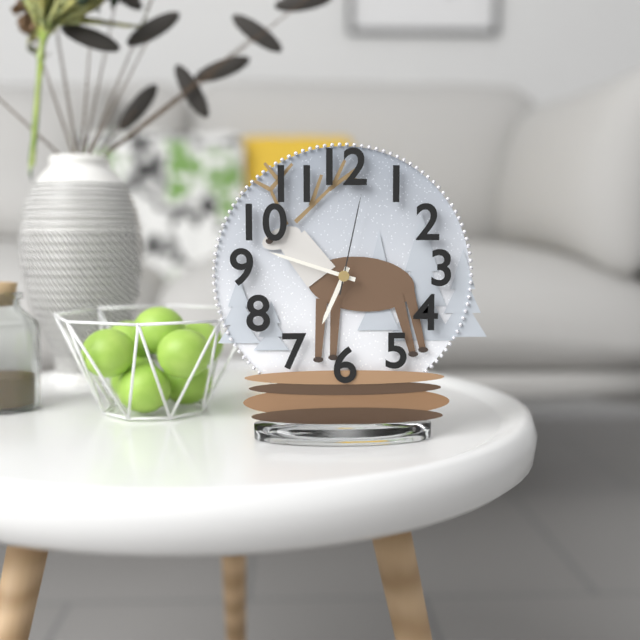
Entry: h=6 m=48 s=2
